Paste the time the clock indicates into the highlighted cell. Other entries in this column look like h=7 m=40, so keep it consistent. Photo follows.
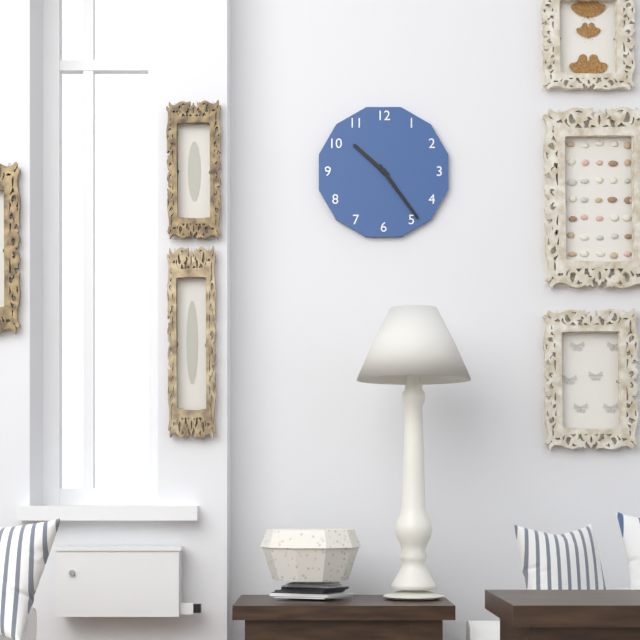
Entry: h=10 m=24
